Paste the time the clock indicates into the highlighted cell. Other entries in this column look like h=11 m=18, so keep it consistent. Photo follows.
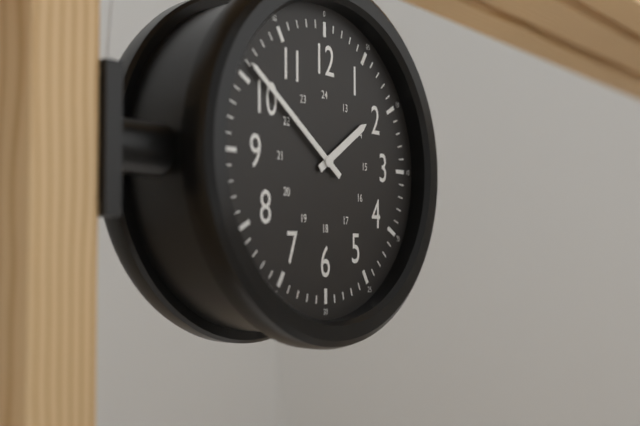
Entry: h=1 m=51
